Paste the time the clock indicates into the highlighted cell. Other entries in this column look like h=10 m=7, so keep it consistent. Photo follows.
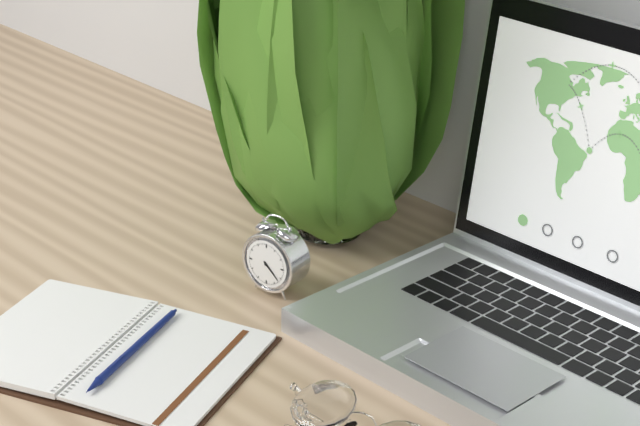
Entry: h=4 m=22
